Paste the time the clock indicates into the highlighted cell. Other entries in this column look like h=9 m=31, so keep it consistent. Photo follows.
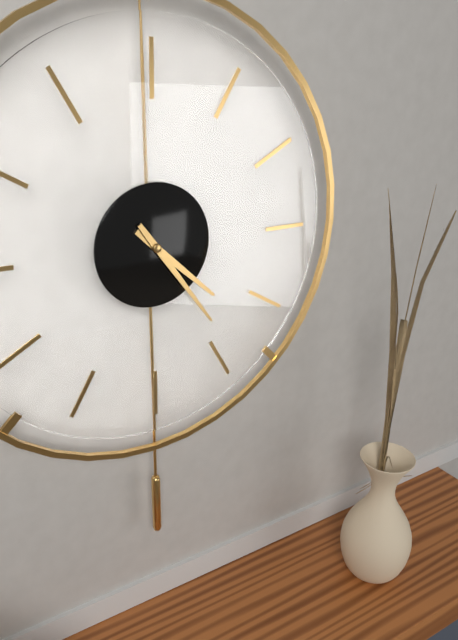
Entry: h=4 m=24
